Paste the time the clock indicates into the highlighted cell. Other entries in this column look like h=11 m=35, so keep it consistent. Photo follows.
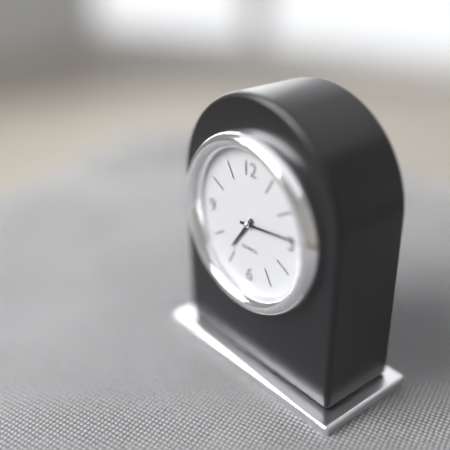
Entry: h=7 m=14
